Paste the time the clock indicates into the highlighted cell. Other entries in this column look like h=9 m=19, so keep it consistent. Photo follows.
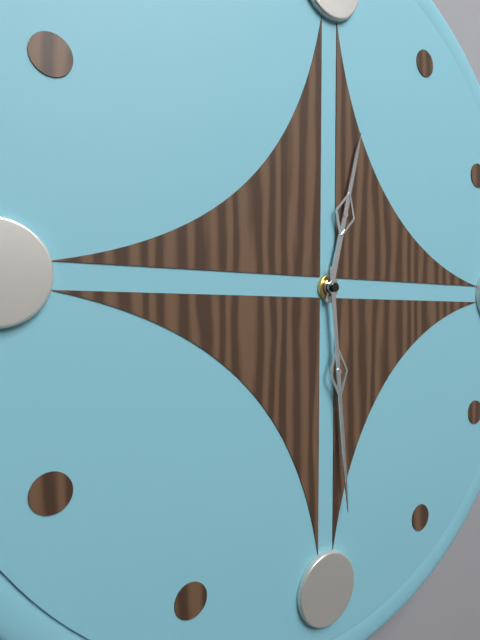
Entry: h=12 m=29
